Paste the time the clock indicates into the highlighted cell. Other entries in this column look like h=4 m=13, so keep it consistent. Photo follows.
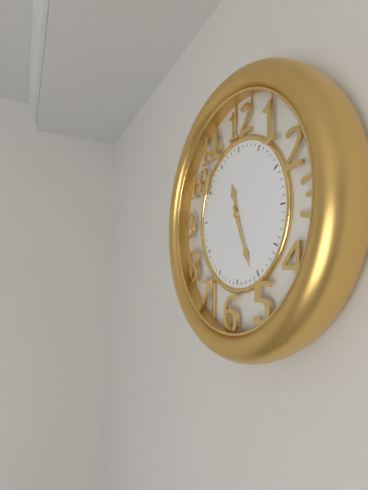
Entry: h=11 m=26
